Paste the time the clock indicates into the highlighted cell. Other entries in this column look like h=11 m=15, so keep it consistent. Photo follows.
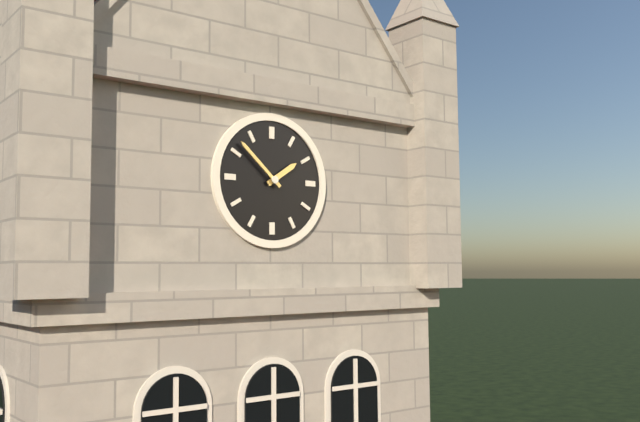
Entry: h=1 m=52
